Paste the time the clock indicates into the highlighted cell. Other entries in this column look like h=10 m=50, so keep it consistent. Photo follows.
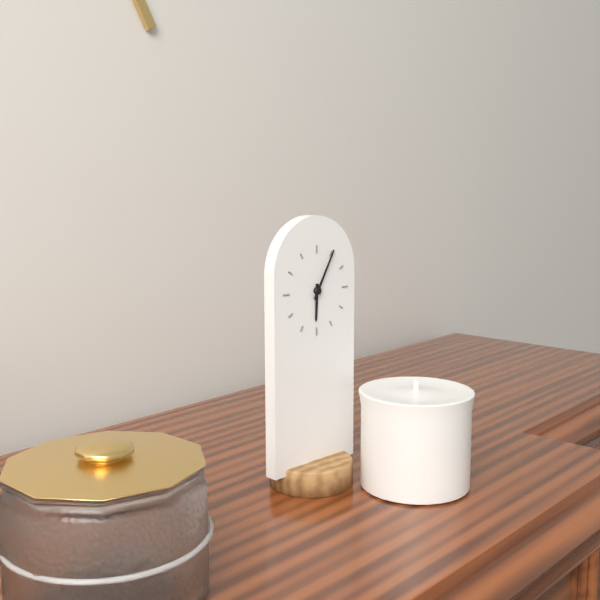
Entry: h=6 m=5
